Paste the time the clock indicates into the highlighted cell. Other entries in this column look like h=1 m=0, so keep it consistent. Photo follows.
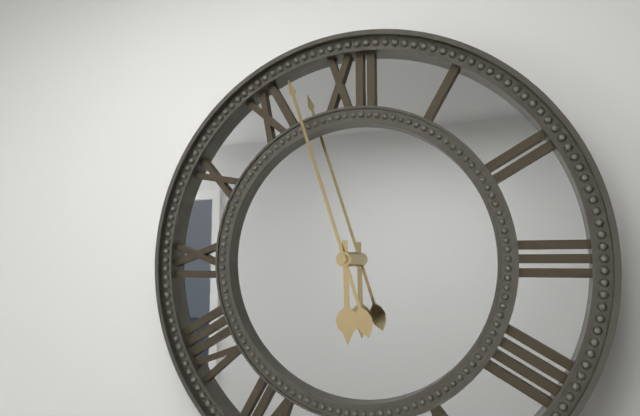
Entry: h=5 m=57
